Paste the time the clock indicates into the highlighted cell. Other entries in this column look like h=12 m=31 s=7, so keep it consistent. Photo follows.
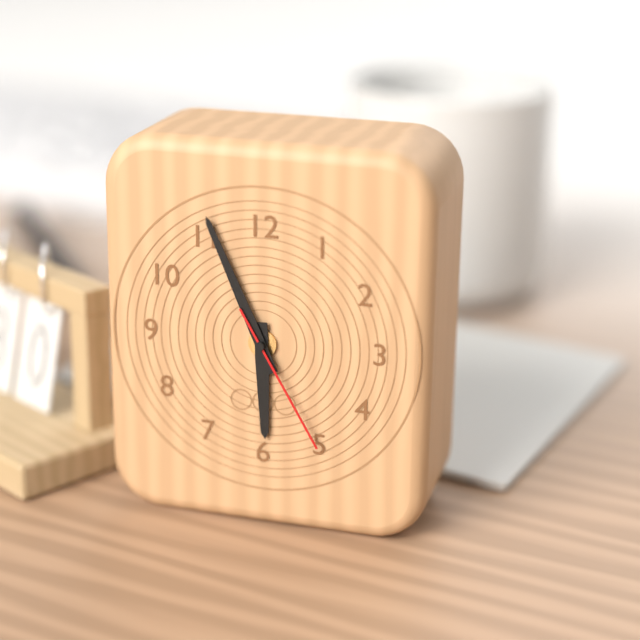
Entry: h=5 m=56 s=25
